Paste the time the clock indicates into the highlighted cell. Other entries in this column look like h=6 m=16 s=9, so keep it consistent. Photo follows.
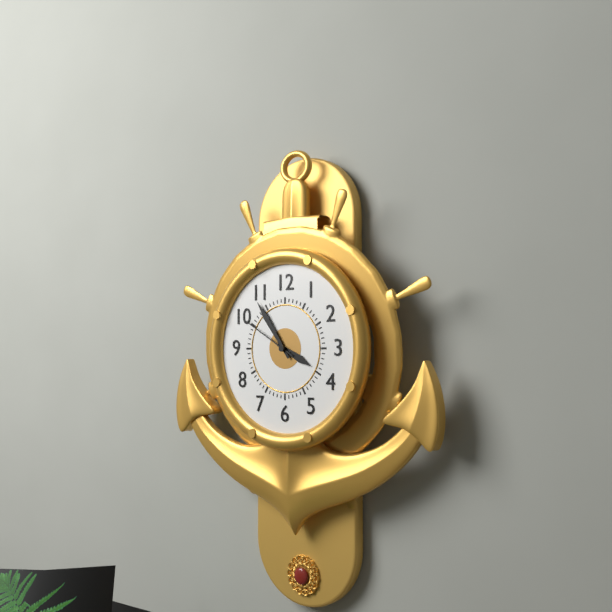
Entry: h=3 m=54 s=50
